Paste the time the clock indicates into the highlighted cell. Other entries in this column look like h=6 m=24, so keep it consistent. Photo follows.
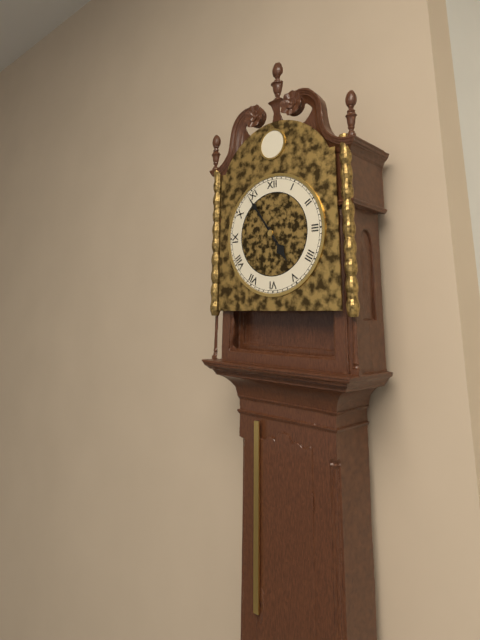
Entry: h=4 m=54
